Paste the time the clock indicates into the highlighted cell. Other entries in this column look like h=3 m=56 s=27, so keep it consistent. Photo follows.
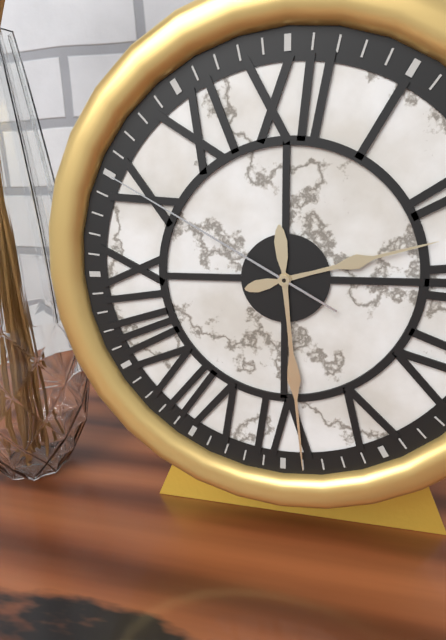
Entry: h=2 m=29 s=50
